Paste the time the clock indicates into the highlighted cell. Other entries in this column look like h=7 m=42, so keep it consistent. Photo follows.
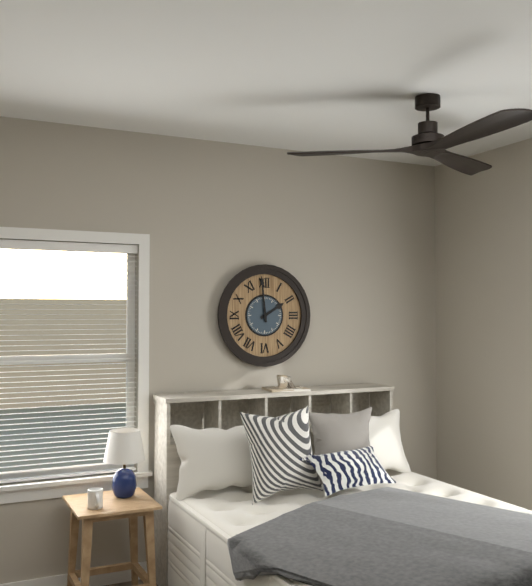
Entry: h=1 m=59
